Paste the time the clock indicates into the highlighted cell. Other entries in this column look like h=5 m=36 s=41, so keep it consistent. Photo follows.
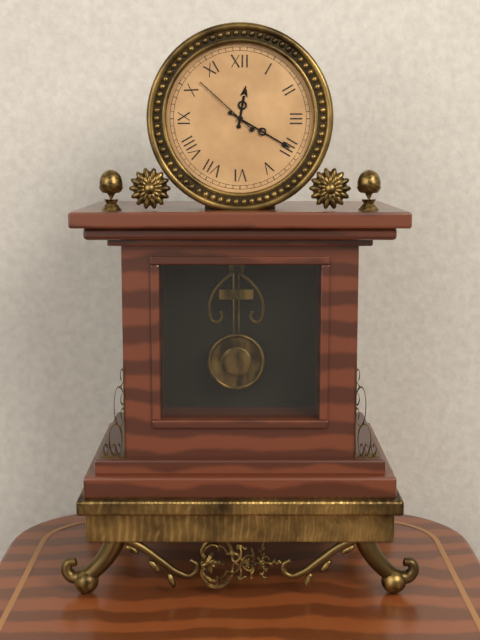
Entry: h=12 m=20 s=52
